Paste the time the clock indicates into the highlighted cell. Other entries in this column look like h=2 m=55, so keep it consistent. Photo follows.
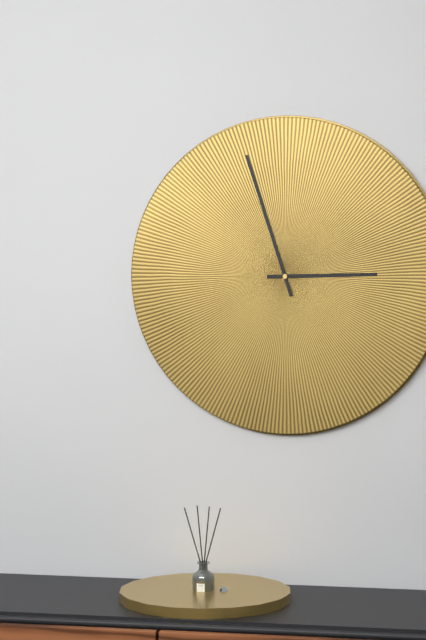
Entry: h=2 m=57
